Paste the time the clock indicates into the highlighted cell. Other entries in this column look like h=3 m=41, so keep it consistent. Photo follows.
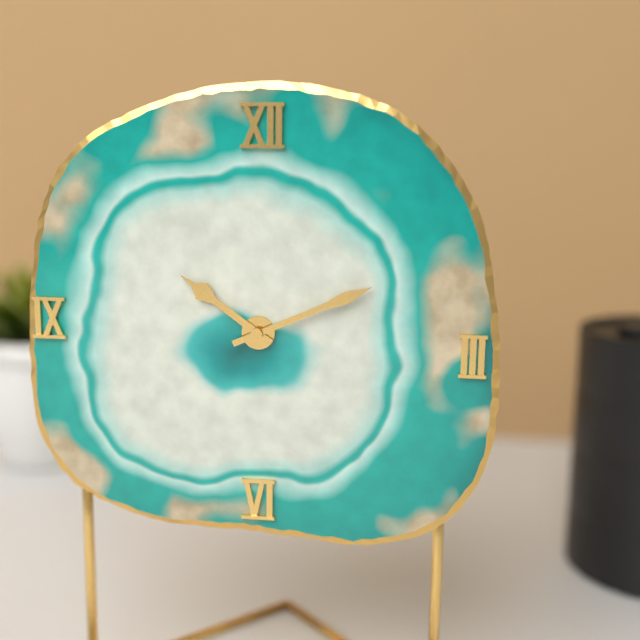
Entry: h=10 m=11
